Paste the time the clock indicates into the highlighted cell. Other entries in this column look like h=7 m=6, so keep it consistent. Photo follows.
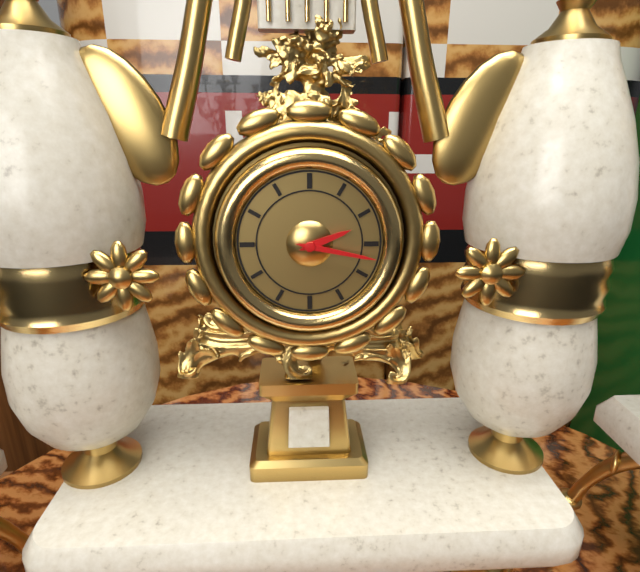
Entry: h=2 m=17
